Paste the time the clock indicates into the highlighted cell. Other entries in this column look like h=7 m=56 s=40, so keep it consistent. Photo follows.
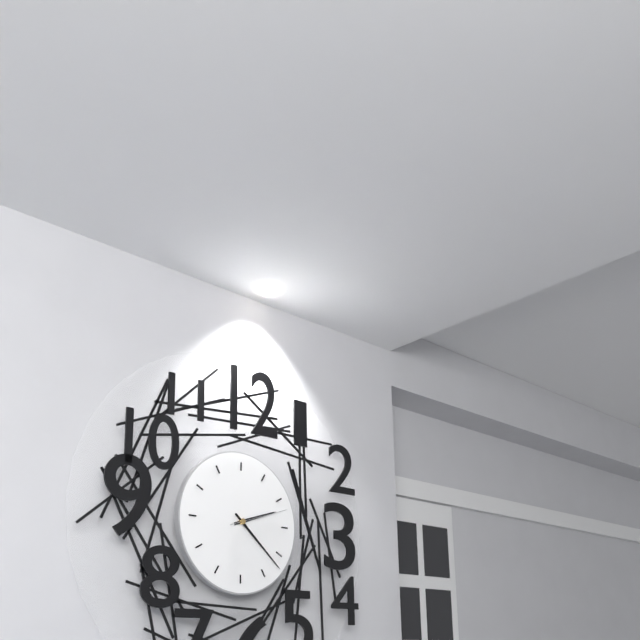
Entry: h=2 m=22 s=12
